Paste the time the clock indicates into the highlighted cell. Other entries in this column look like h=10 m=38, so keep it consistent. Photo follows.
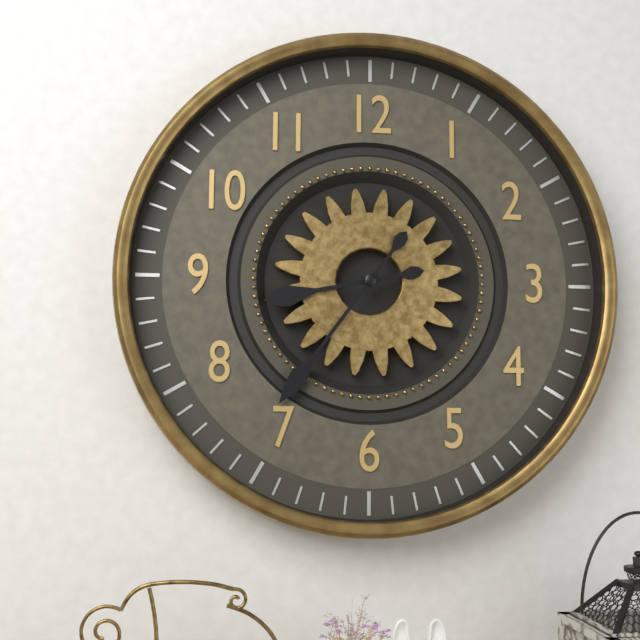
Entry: h=8 m=36
